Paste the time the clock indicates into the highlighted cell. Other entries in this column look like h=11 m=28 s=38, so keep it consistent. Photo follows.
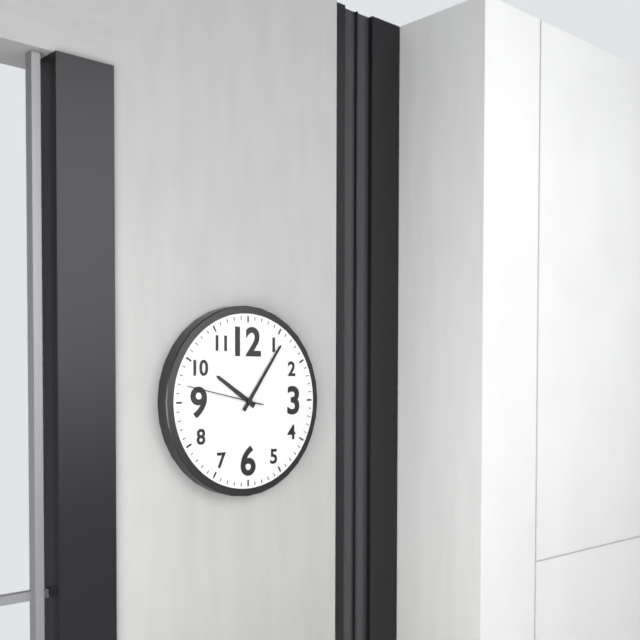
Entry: h=10 m=6 s=47
